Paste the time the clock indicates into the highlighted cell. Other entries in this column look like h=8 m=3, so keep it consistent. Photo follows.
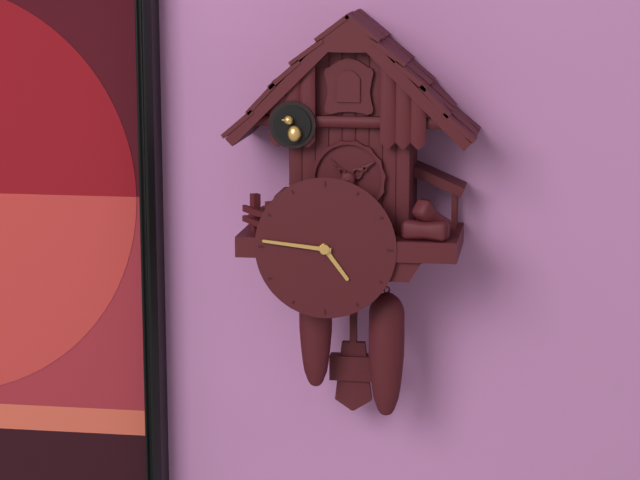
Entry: h=4 m=46
